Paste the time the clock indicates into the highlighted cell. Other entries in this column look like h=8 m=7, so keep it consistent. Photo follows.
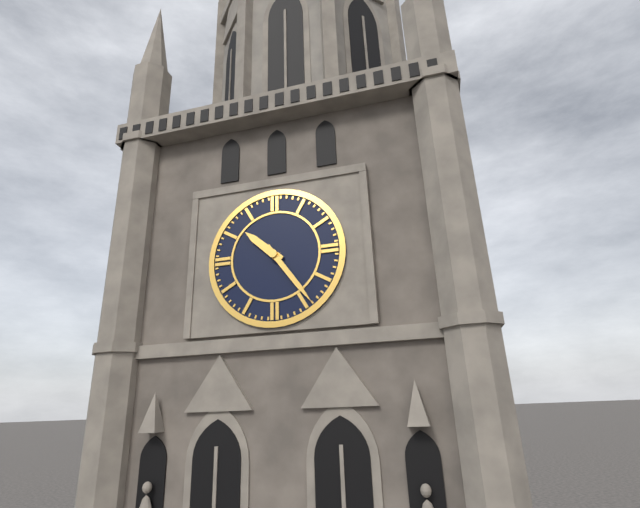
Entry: h=10 m=24
